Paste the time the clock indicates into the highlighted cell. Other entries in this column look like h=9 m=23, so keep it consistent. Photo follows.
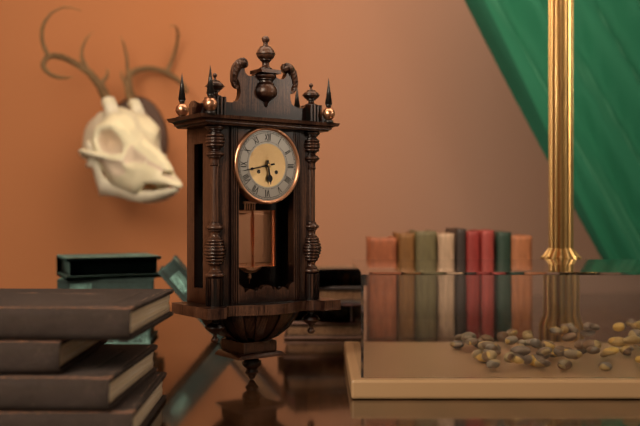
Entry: h=5 m=43
